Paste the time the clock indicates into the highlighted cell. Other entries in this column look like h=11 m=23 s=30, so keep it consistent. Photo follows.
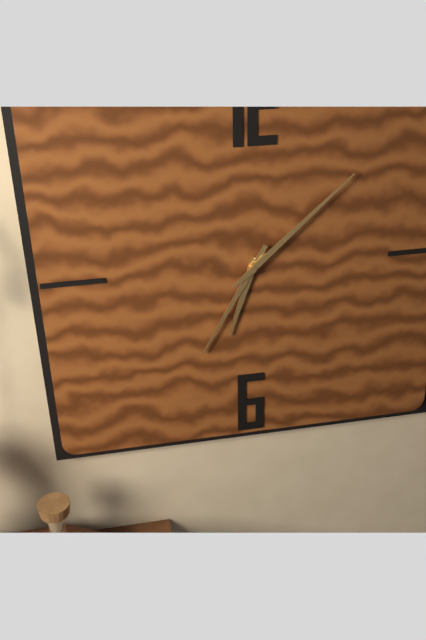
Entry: h=6 m=35 s=8
